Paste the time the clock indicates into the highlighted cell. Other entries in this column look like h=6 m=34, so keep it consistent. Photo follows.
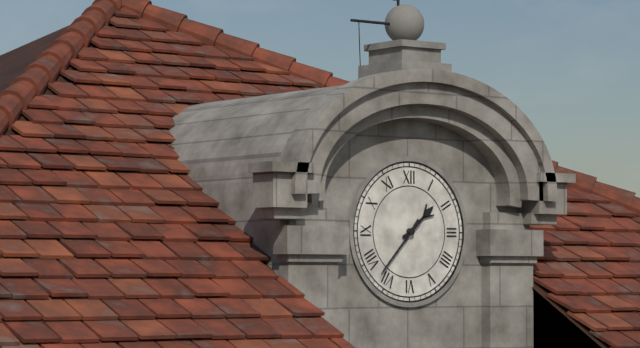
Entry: h=1 m=37
